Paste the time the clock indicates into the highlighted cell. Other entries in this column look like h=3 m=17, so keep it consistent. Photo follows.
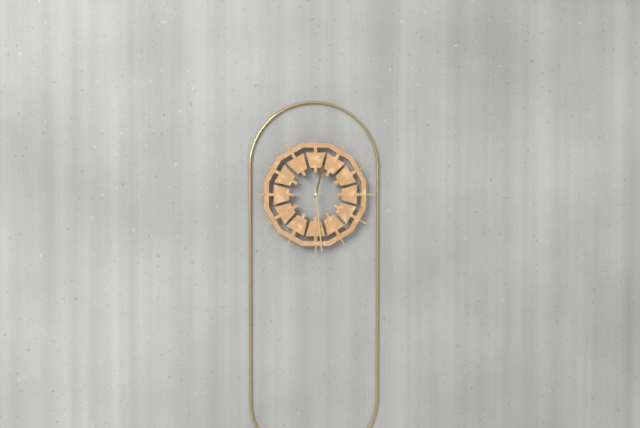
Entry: h=12 m=29
